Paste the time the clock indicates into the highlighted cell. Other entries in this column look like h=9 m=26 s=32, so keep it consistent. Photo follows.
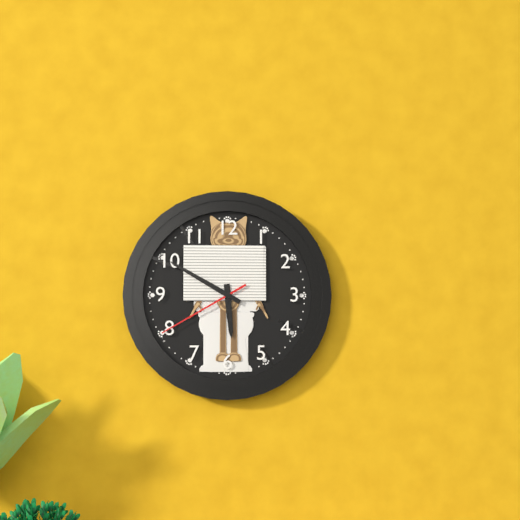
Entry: h=5 m=50 s=40
